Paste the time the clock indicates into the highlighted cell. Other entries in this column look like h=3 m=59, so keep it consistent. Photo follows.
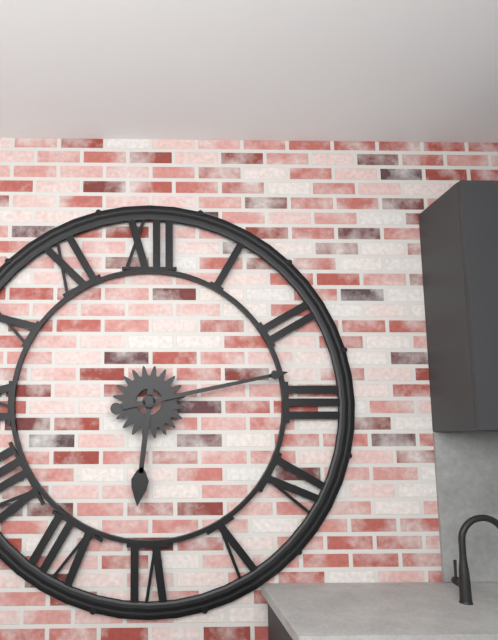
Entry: h=6 m=13
